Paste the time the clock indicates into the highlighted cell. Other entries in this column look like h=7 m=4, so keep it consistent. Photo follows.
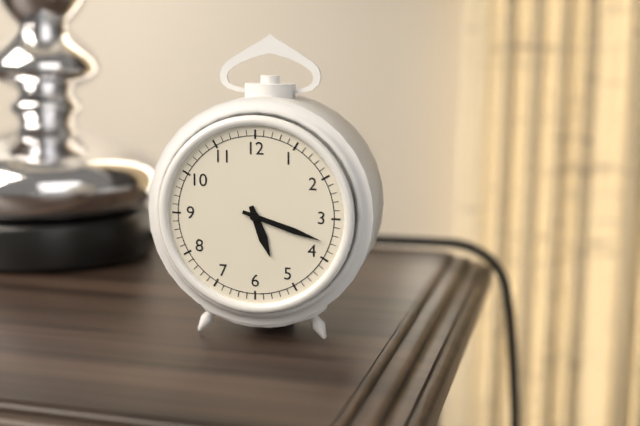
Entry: h=5 m=18
